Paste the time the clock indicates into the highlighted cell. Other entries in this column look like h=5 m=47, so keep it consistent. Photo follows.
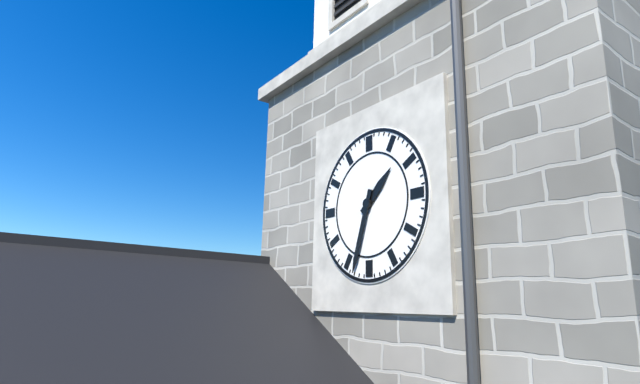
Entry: h=1 m=33
